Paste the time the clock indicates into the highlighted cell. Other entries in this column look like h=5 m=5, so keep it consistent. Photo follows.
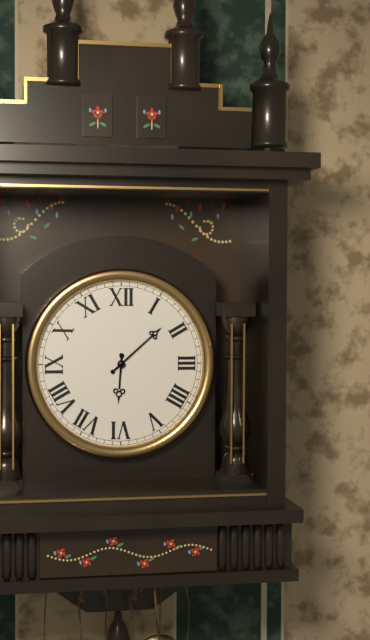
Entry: h=6 m=8
